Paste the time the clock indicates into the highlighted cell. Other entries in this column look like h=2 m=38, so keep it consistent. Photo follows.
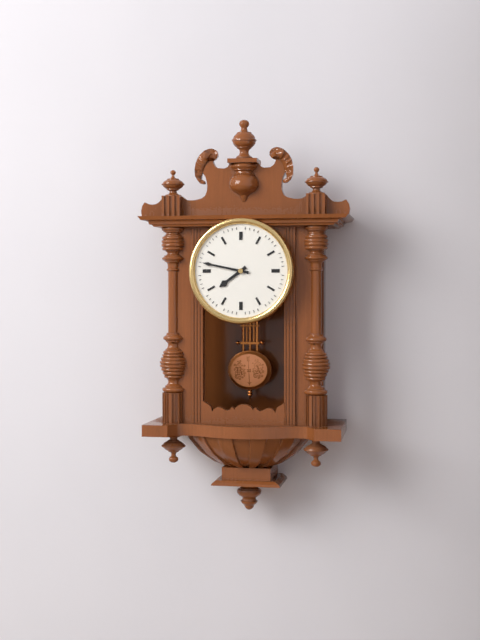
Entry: h=7 m=47
